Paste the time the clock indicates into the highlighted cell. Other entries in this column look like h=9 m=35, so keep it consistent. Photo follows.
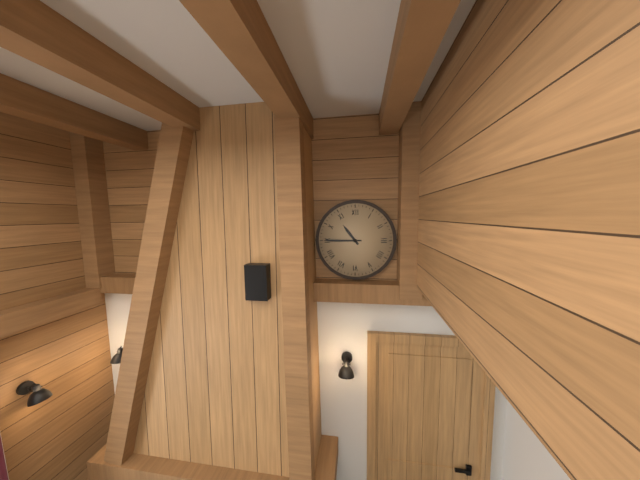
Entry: h=10 m=45
